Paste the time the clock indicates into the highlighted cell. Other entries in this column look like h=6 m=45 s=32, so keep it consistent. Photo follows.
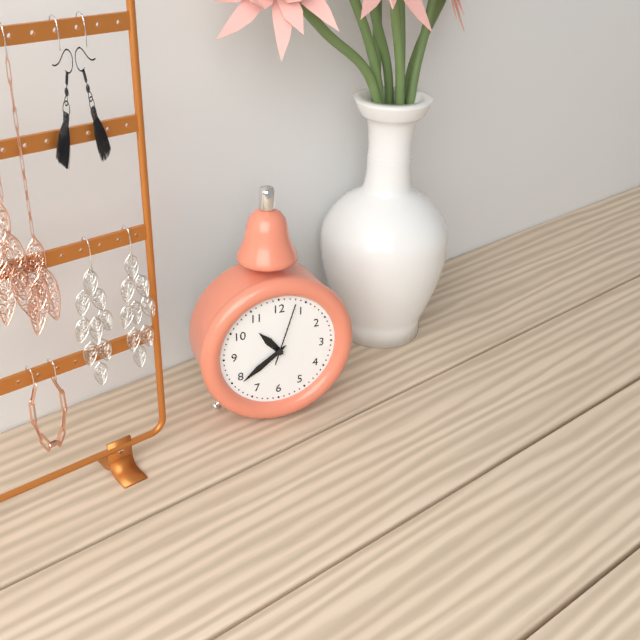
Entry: h=10 m=39 s=3
